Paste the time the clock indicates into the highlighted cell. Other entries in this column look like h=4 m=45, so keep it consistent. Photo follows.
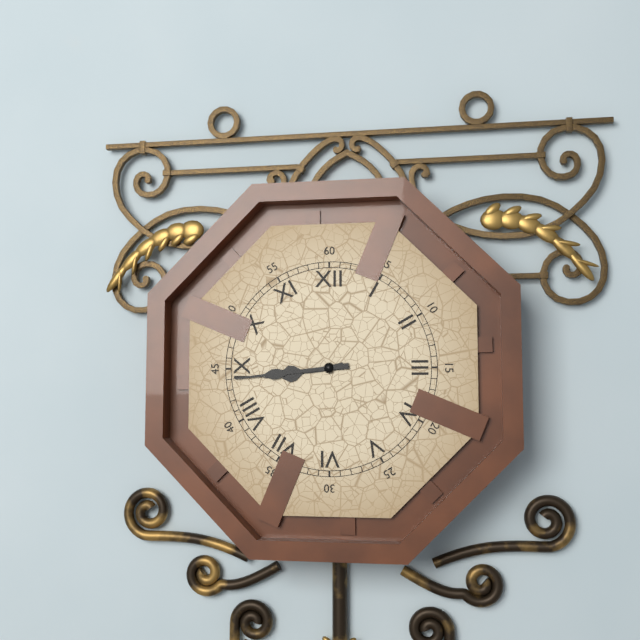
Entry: h=8 m=44
